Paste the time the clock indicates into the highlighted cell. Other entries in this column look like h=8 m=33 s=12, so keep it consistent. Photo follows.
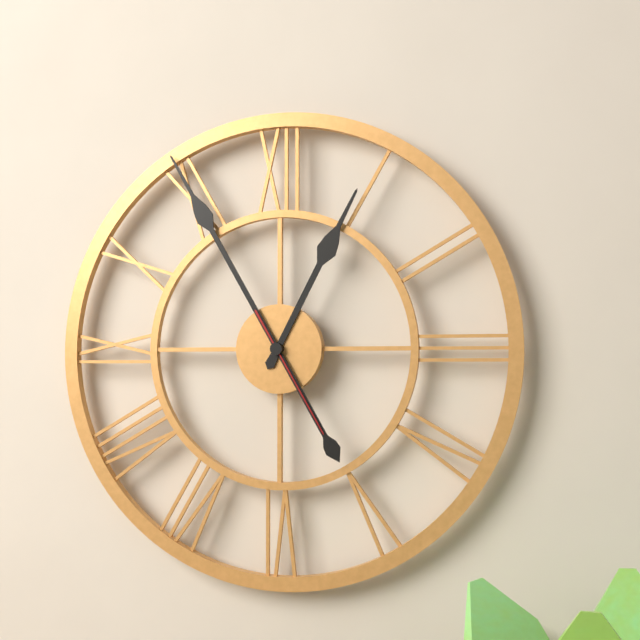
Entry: h=12 m=55 s=25
